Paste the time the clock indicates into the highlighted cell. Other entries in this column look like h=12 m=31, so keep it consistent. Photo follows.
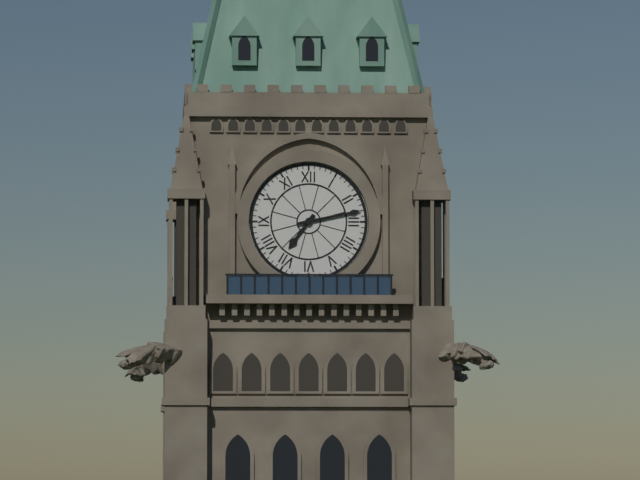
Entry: h=7 m=13
